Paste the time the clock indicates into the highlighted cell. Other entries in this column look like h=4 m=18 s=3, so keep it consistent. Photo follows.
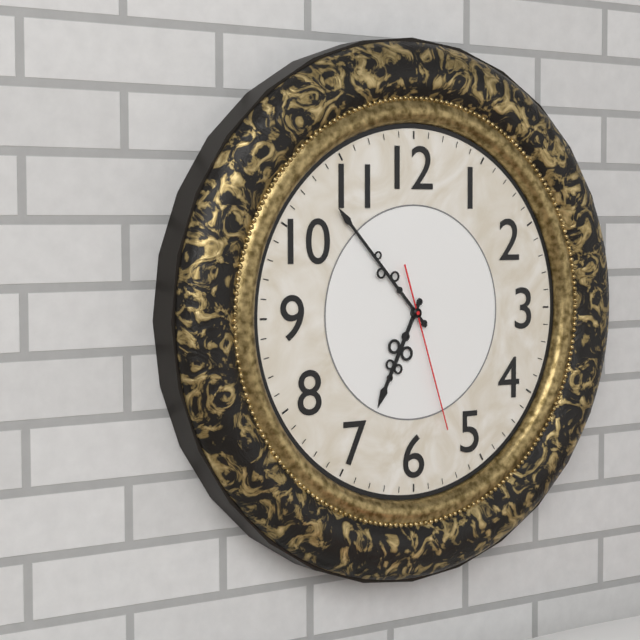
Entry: h=6 m=53 s=27
